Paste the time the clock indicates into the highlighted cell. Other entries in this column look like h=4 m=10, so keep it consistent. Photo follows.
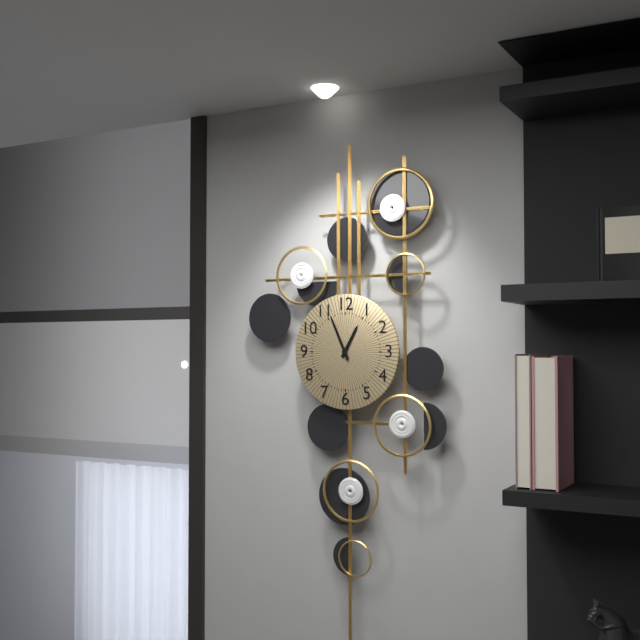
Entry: h=12 m=56
